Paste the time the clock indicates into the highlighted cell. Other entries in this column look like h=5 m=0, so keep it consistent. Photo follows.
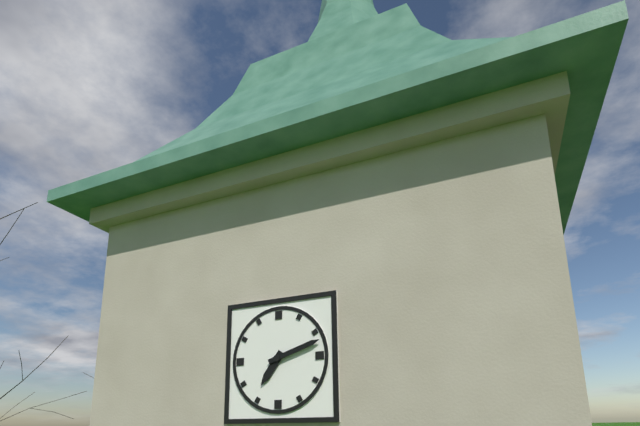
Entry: h=7 m=12
